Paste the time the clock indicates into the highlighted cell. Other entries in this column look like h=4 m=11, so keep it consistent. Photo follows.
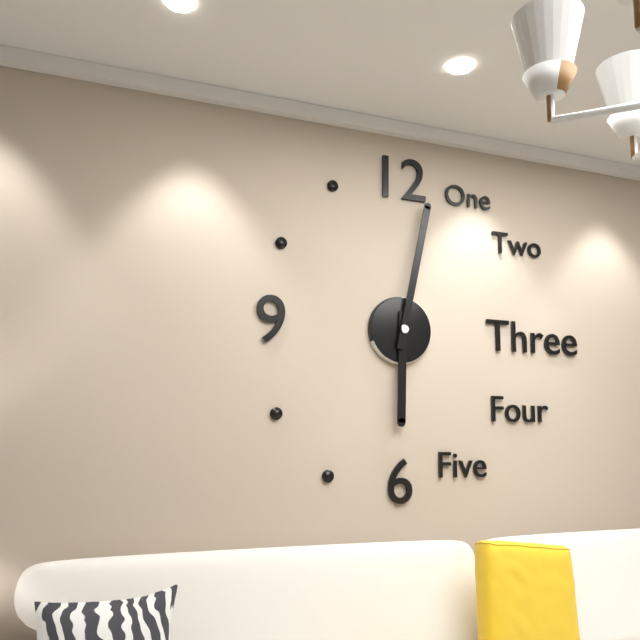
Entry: h=6 m=2
